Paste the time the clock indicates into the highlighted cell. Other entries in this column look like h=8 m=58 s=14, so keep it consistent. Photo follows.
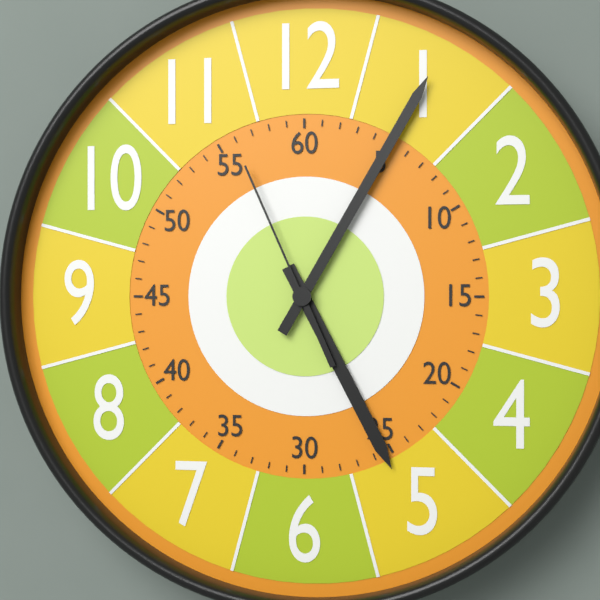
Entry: h=5 m=5 s=56
